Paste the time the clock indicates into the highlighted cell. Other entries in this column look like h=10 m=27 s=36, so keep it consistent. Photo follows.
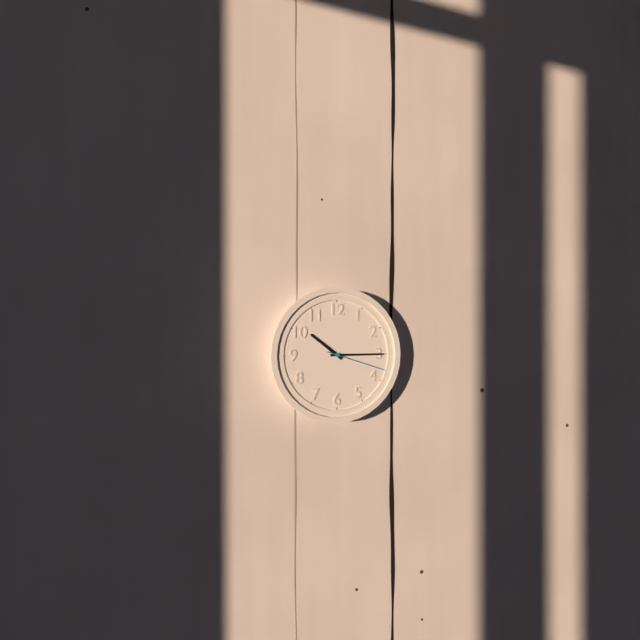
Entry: h=10 m=15 s=18
